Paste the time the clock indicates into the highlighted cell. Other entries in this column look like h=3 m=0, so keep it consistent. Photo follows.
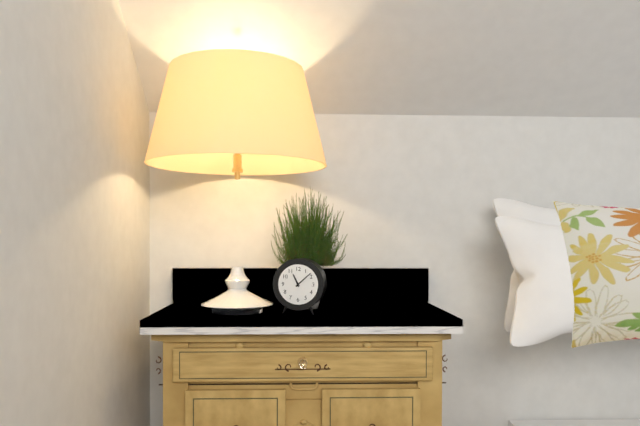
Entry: h=11 m=8
